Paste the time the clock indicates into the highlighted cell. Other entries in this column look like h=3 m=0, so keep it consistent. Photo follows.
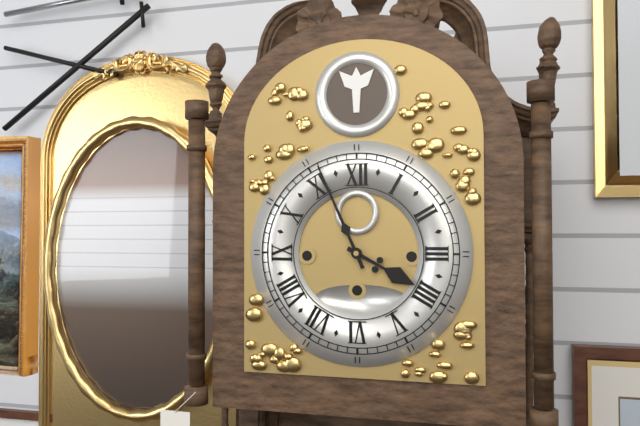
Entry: h=3 m=56
